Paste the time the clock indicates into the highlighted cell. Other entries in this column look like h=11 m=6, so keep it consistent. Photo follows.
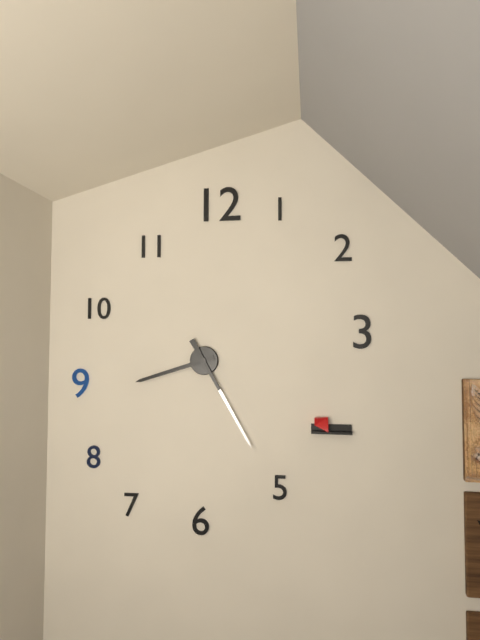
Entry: h=8 m=25
